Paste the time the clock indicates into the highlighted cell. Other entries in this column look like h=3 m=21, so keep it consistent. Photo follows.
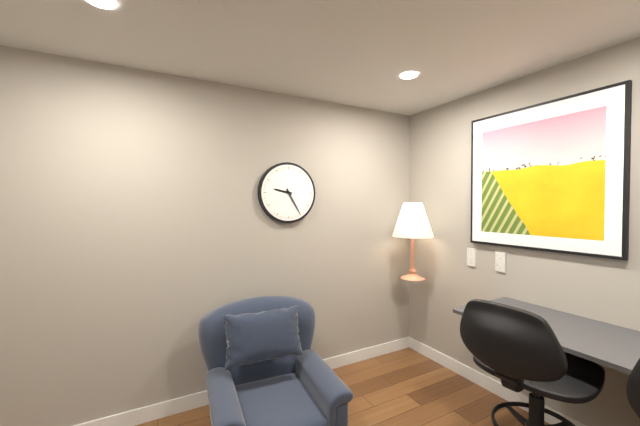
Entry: h=9 m=25
